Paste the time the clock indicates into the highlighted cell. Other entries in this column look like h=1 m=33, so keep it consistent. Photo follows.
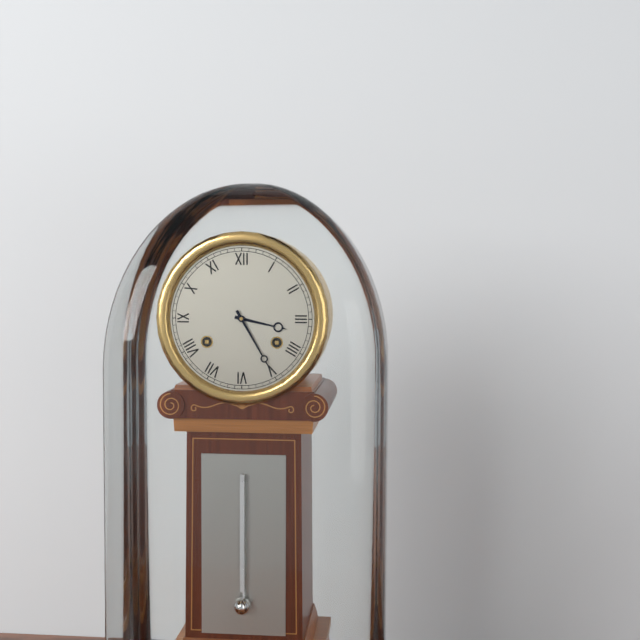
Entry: h=3 m=25
